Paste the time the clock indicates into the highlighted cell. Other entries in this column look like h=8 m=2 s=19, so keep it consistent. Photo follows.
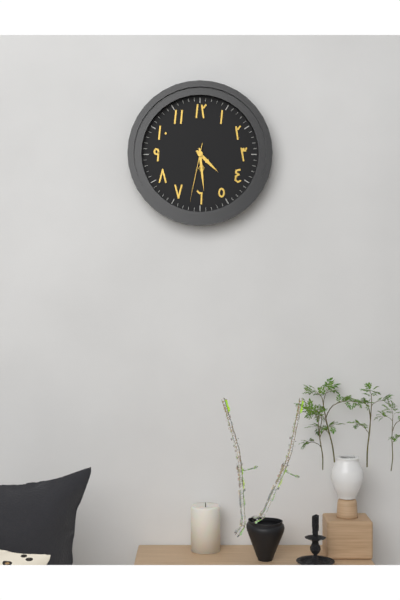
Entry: h=4 m=29 s=32
